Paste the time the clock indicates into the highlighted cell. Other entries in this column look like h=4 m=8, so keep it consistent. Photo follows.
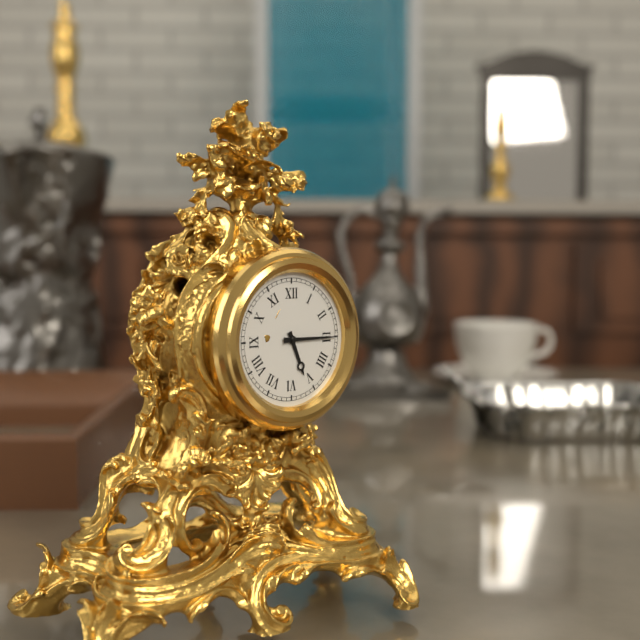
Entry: h=5 m=15
